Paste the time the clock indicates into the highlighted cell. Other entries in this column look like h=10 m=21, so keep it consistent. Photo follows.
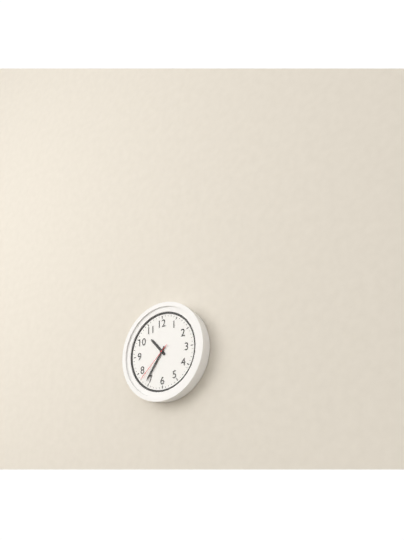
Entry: h=10 m=36
